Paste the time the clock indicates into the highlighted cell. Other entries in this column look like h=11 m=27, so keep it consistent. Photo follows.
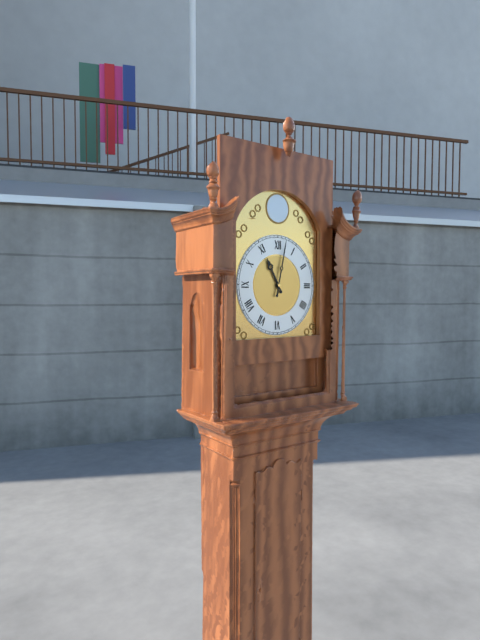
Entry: h=11 m=2
